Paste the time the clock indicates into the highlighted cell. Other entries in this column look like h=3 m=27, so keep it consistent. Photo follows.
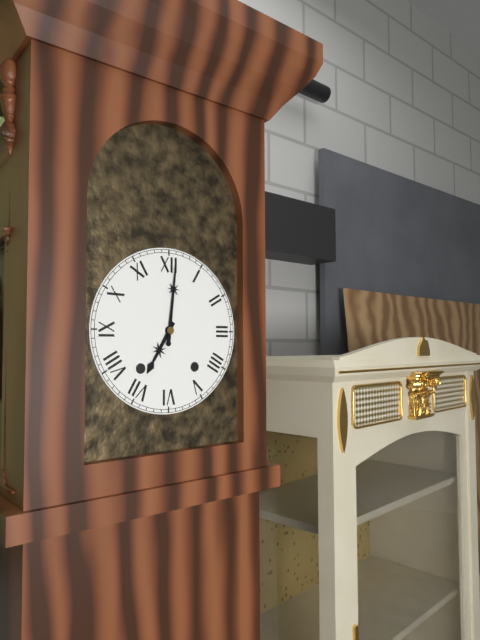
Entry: h=7 m=1
